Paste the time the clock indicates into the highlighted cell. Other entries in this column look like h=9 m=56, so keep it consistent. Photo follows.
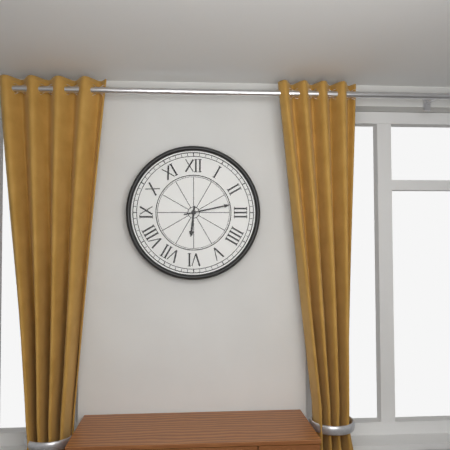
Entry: h=6 m=13
